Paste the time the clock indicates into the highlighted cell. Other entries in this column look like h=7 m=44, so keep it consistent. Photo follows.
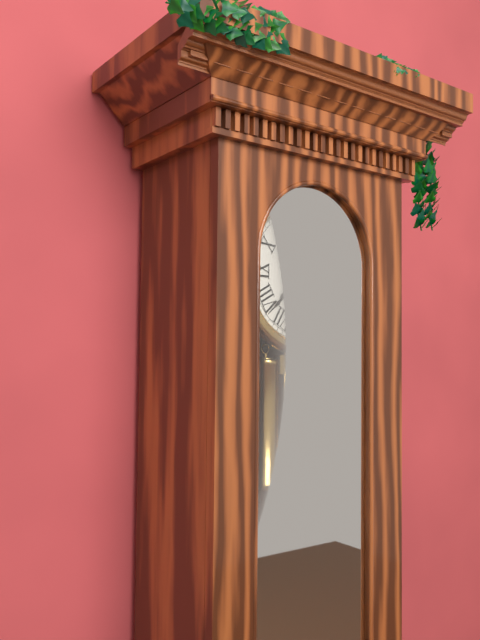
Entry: h=7 m=38
